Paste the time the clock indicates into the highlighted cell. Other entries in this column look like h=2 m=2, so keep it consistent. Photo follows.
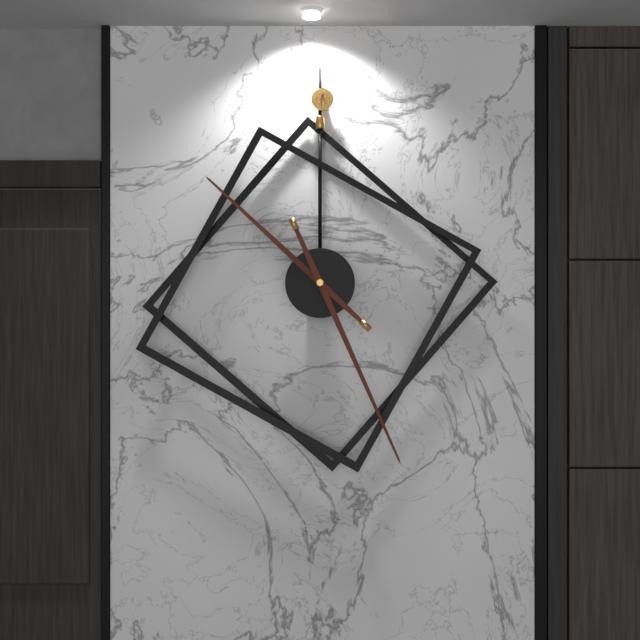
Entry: h=10 m=26
